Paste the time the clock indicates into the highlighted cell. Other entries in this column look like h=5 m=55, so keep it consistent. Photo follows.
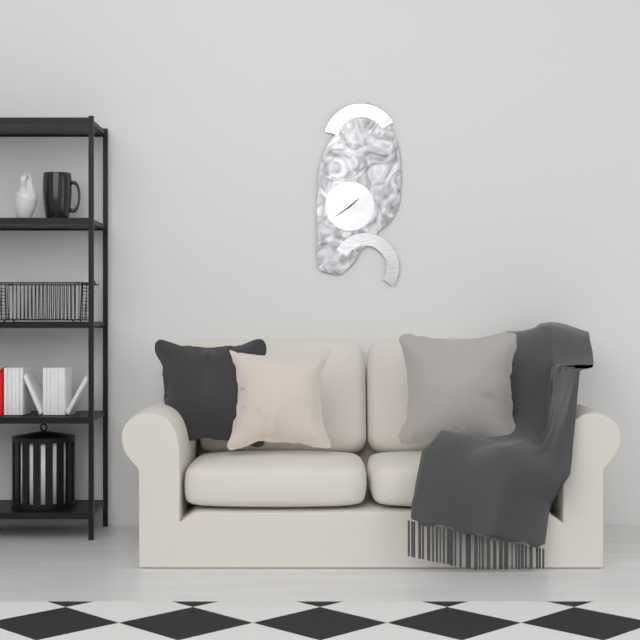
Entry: h=1 m=39
